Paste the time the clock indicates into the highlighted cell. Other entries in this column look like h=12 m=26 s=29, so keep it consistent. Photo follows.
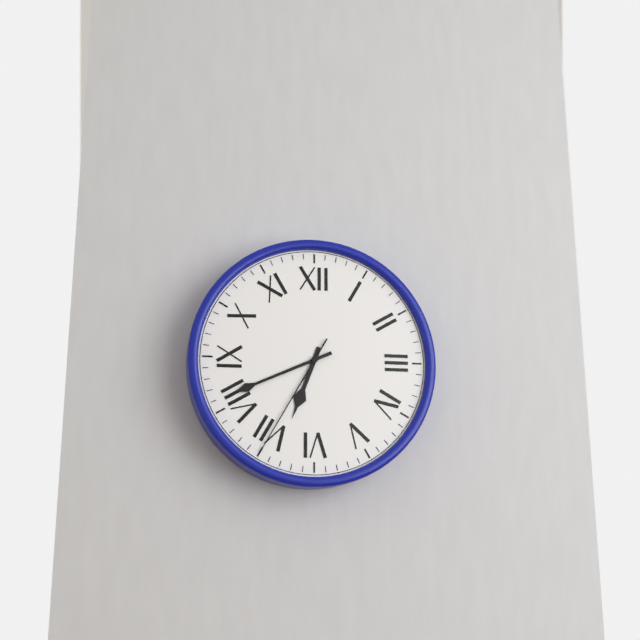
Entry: h=6 m=41 s=35
